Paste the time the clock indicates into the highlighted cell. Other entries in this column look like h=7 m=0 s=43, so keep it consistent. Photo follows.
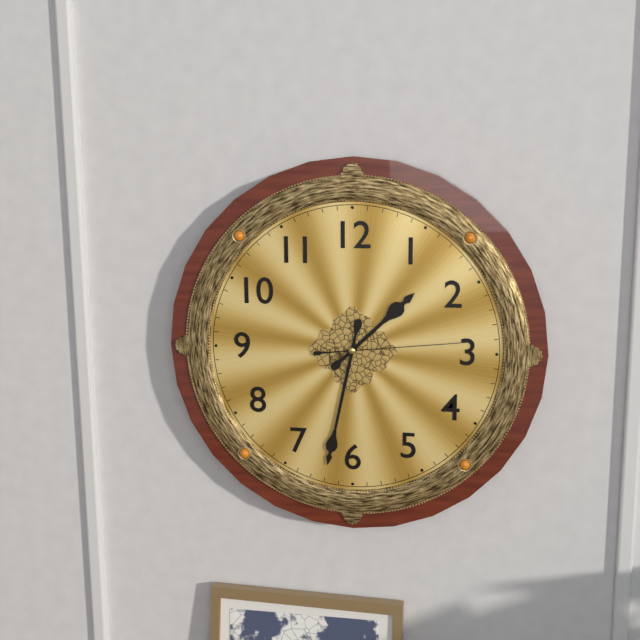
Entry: h=1 m=32 s=14
